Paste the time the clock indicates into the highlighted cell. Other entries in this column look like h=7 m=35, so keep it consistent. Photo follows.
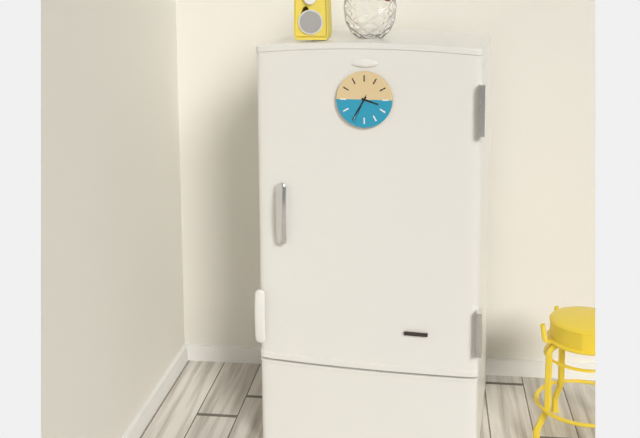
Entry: h=3 m=35
